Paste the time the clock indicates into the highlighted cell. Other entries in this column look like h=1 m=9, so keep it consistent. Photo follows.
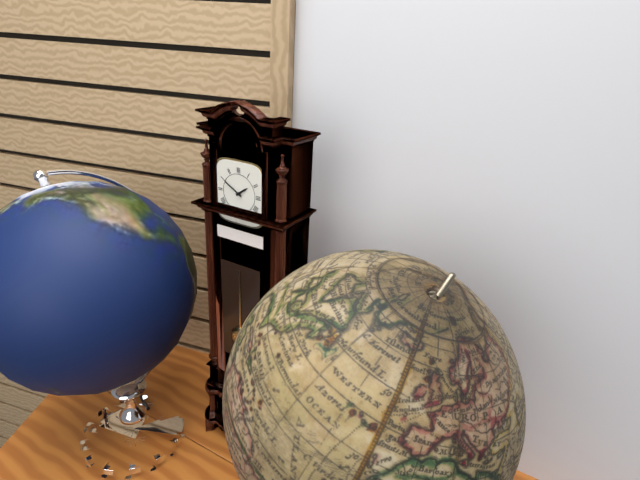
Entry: h=1 m=50
